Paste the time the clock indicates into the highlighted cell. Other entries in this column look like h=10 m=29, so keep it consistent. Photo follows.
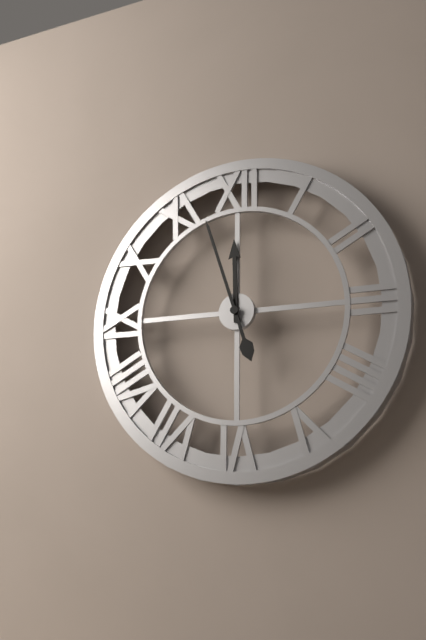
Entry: h=11 m=57
